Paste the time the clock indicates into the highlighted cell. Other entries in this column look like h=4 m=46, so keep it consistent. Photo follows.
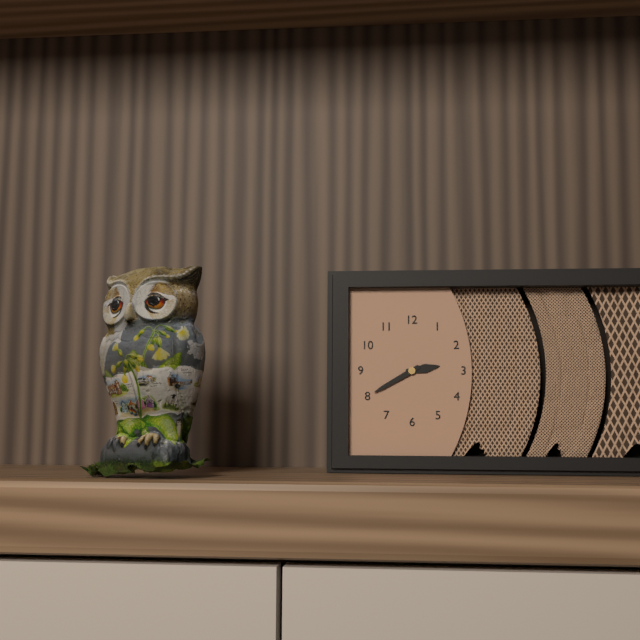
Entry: h=2 m=40
